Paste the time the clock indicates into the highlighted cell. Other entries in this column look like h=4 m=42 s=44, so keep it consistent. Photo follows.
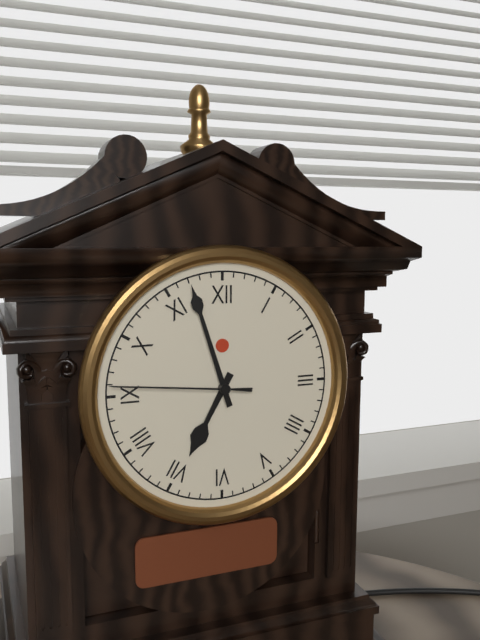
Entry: h=6 m=57 s=46
